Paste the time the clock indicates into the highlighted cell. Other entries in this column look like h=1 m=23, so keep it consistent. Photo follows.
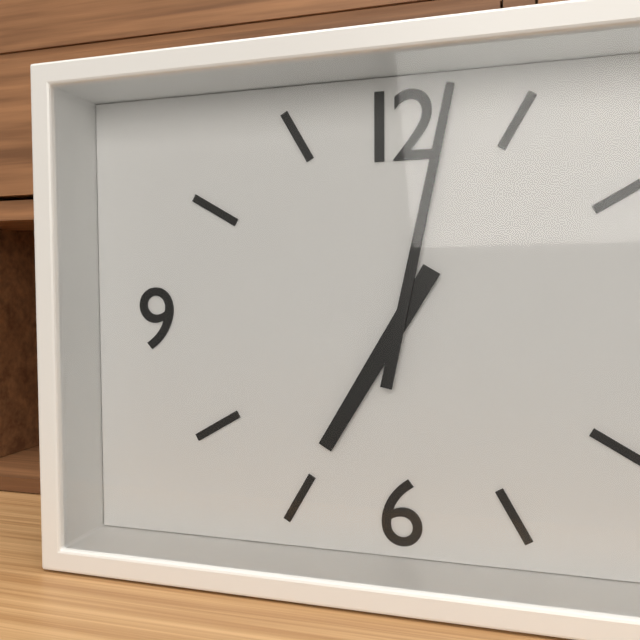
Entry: h=7 m=2
